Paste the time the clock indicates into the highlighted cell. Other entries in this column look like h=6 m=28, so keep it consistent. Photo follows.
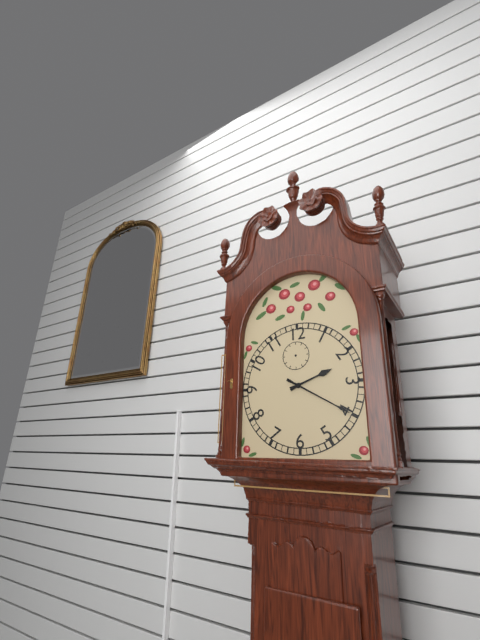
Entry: h=2 m=20
